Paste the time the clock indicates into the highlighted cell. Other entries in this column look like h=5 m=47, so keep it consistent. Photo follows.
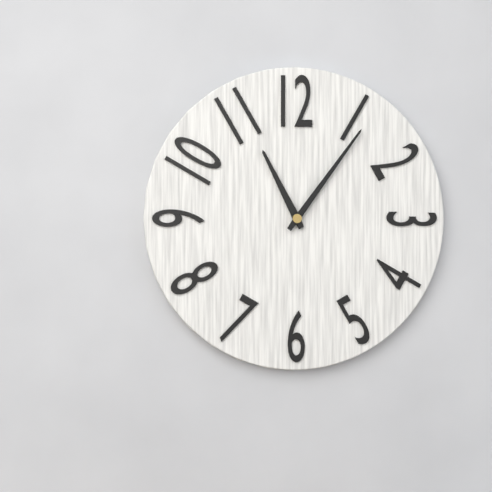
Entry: h=11 m=6
